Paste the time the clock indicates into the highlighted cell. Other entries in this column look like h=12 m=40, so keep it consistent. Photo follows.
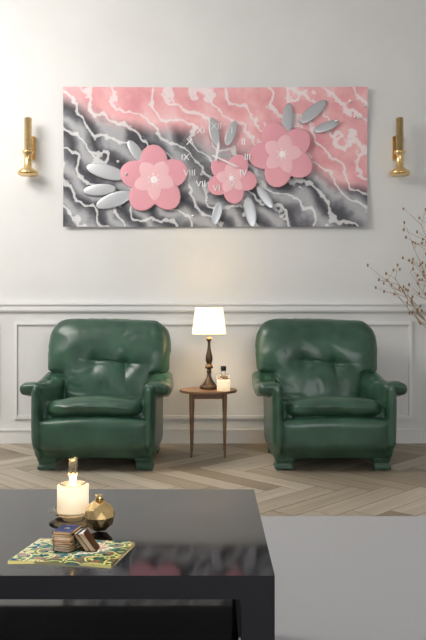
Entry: h=12 m=19
